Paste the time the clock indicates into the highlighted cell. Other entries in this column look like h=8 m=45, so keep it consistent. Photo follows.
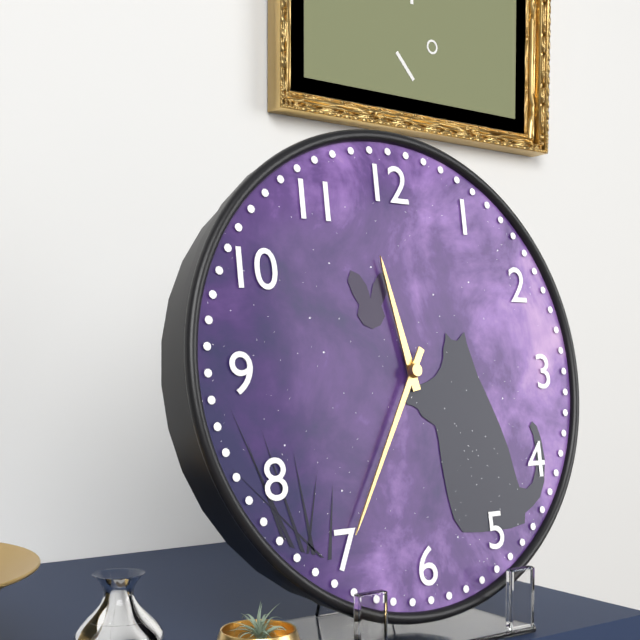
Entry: h=11 m=35
